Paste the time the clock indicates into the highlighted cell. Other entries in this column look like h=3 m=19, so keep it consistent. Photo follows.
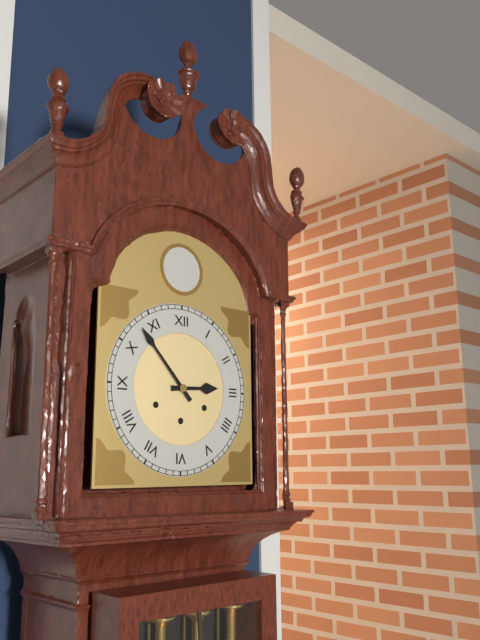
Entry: h=2 m=53
